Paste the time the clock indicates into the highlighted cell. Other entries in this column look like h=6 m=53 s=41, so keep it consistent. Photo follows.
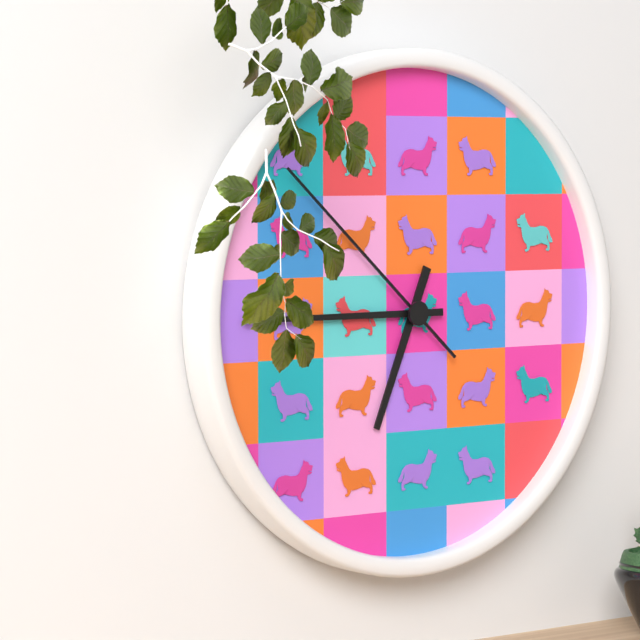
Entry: h=6 m=45 s=52
